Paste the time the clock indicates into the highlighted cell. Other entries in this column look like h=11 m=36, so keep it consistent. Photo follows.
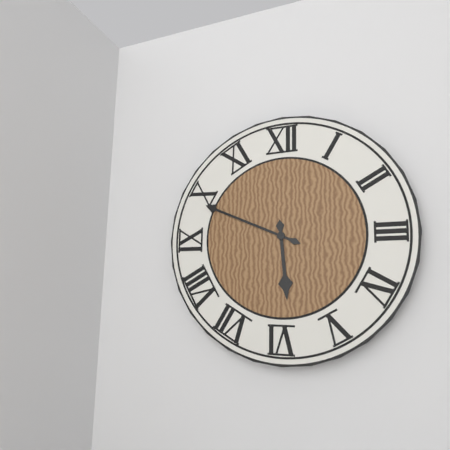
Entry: h=5 m=49
